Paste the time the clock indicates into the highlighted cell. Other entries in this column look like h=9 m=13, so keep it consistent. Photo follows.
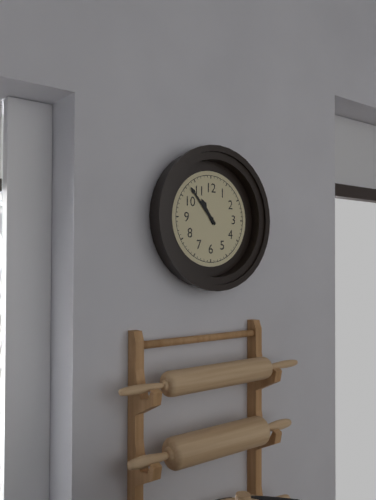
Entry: h=10 m=53
